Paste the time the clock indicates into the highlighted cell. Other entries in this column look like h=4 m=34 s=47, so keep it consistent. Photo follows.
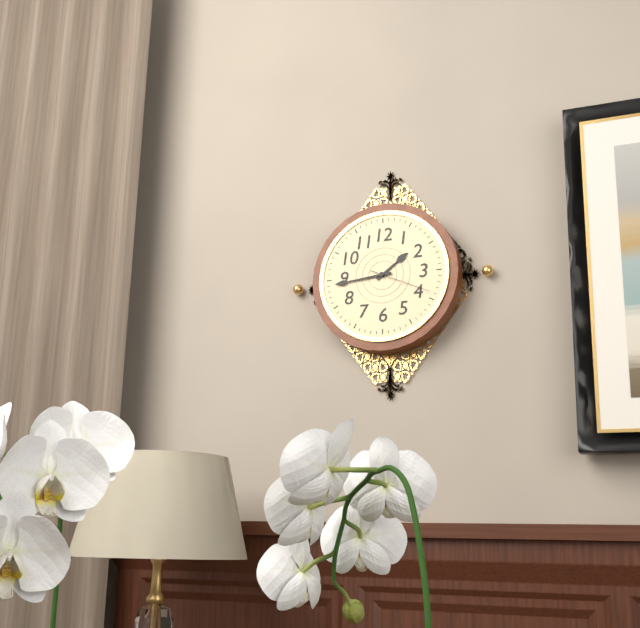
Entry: h=1 m=44 s=19
